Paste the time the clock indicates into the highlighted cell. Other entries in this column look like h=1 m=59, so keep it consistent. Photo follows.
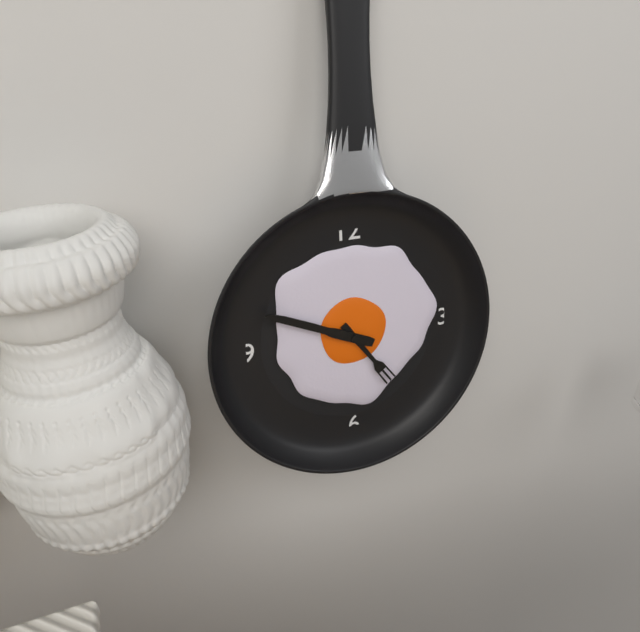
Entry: h=4 m=49
